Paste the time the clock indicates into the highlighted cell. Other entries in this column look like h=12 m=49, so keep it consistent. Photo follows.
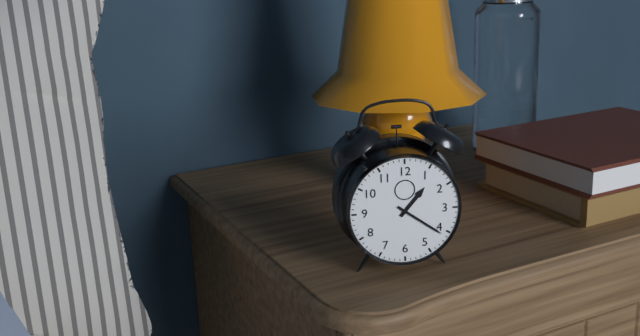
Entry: h=1 m=21
